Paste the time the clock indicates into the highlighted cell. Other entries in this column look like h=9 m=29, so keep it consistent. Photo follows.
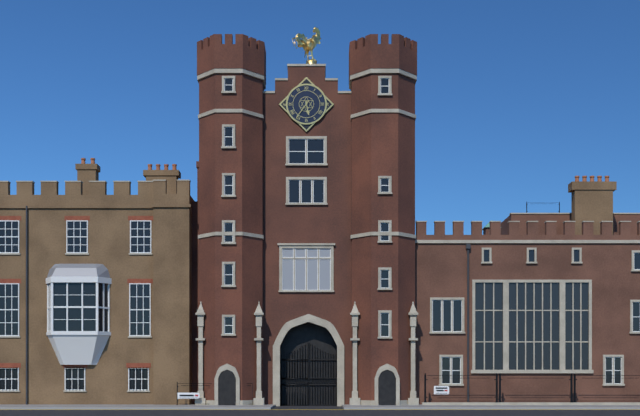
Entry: h=5 m=36
